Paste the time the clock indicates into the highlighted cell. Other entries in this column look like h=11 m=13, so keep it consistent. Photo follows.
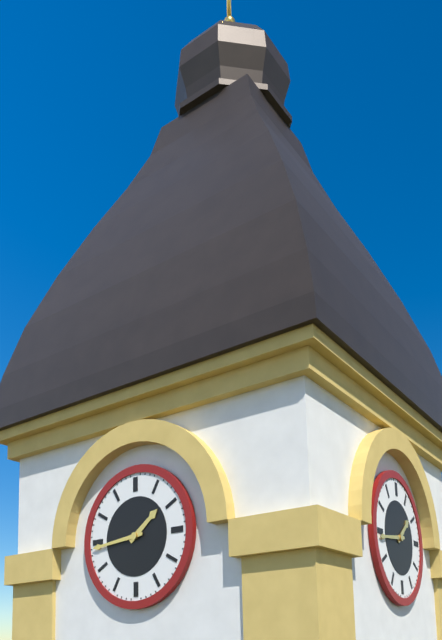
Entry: h=1 m=44
